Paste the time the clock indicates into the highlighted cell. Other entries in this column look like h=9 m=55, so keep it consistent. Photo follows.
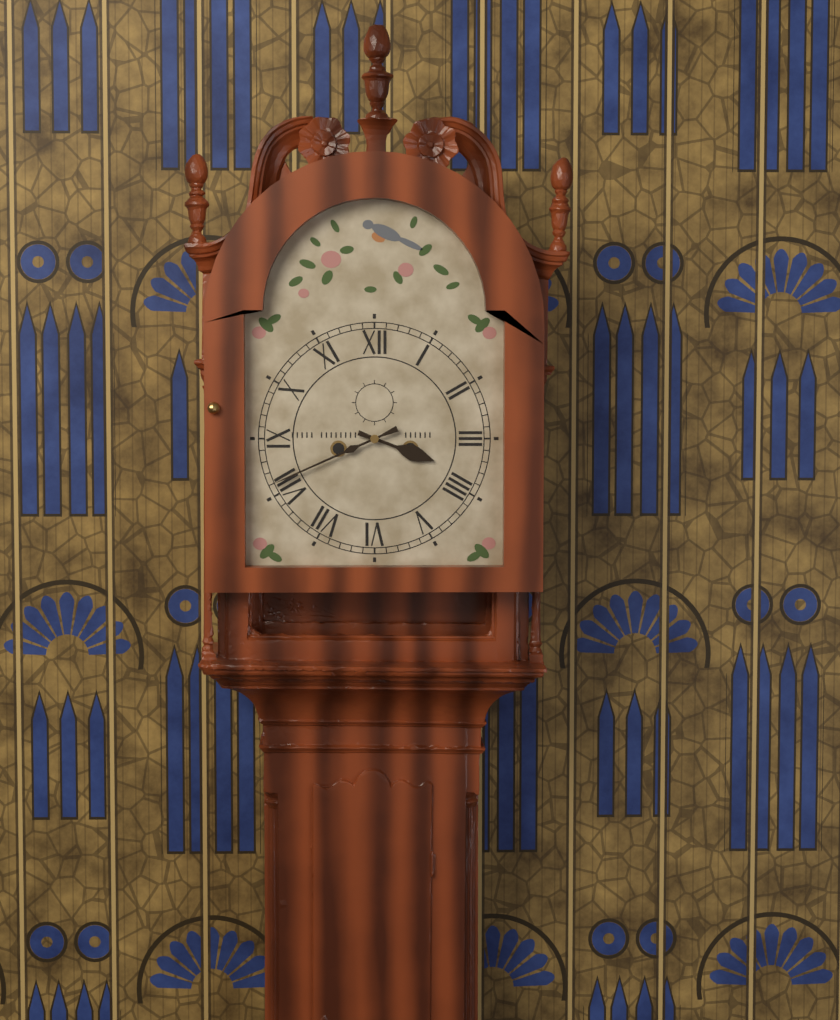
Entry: h=3 m=41
